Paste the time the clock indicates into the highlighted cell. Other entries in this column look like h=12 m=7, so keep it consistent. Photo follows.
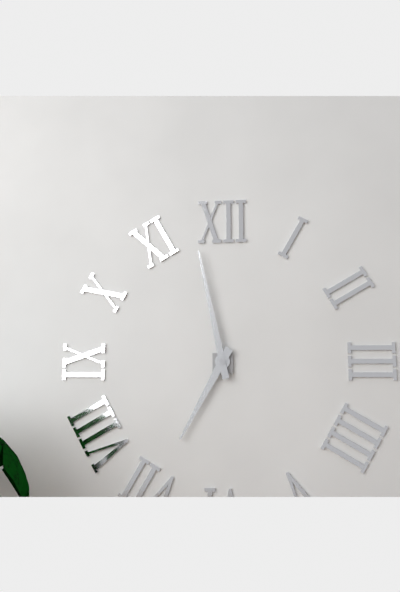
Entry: h=6 m=58
